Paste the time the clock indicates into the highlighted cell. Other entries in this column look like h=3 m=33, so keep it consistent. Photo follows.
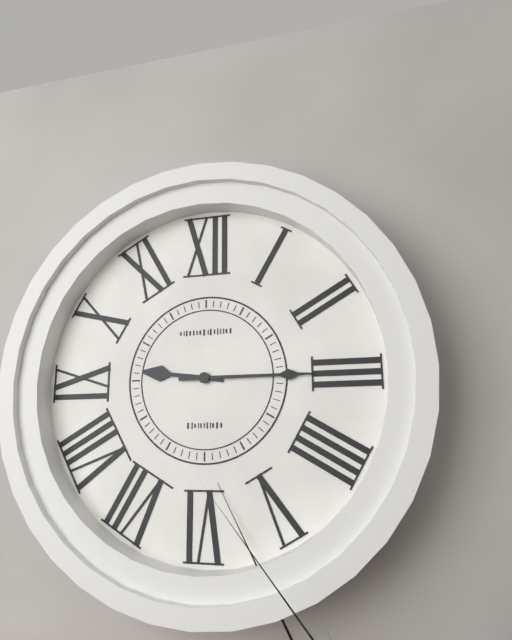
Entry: h=9 m=15
